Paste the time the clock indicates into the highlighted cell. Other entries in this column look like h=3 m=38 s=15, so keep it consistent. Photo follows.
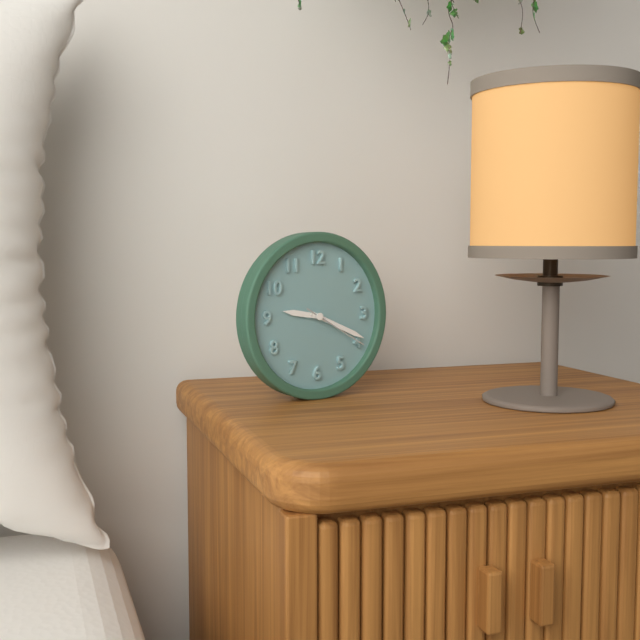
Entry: h=9 m=19 s=20
